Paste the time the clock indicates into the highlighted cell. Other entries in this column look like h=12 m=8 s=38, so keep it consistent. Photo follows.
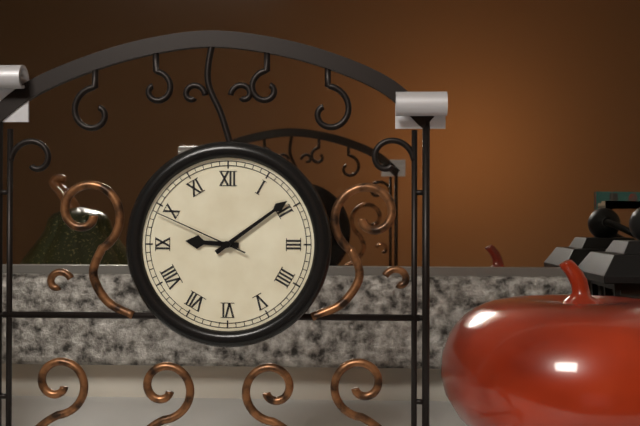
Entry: h=9 m=9 s=49
